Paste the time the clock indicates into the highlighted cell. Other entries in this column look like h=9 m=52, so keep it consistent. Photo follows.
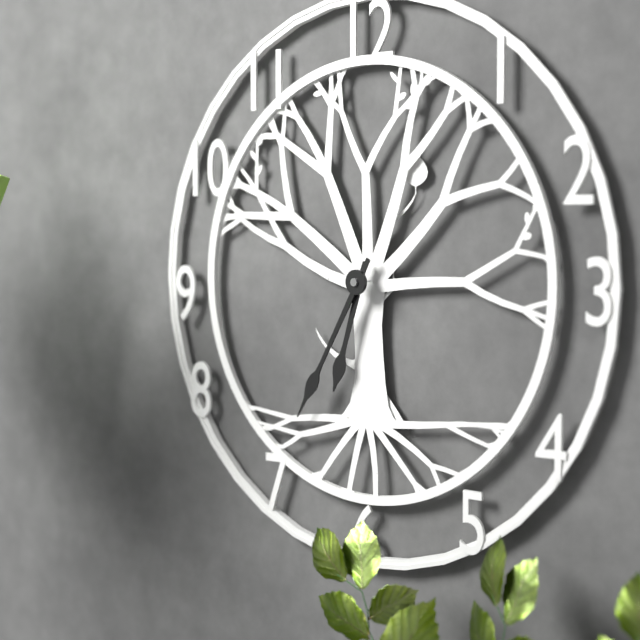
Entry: h=6 m=35
